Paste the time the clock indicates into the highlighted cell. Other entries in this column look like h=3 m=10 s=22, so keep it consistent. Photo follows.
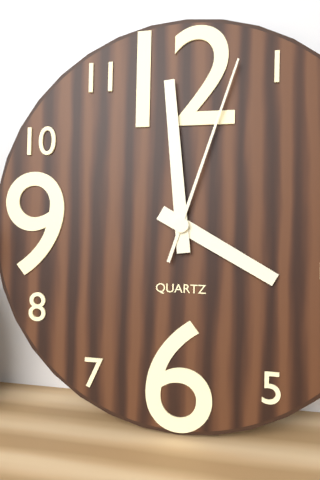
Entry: h=3 m=59 s=3
